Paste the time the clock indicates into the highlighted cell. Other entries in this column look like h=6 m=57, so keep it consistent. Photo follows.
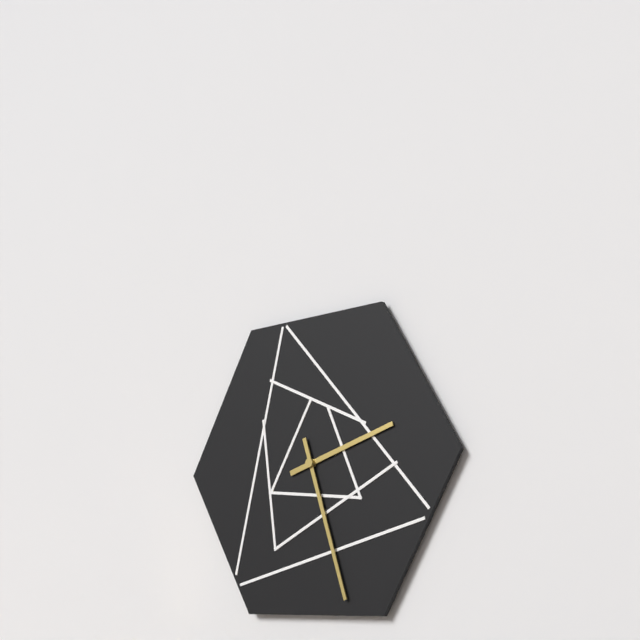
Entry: h=2 m=27
